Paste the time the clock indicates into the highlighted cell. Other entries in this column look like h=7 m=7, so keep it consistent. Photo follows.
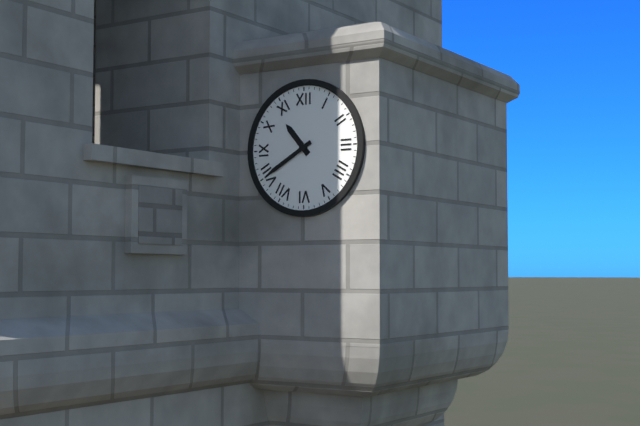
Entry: h=10 m=40
